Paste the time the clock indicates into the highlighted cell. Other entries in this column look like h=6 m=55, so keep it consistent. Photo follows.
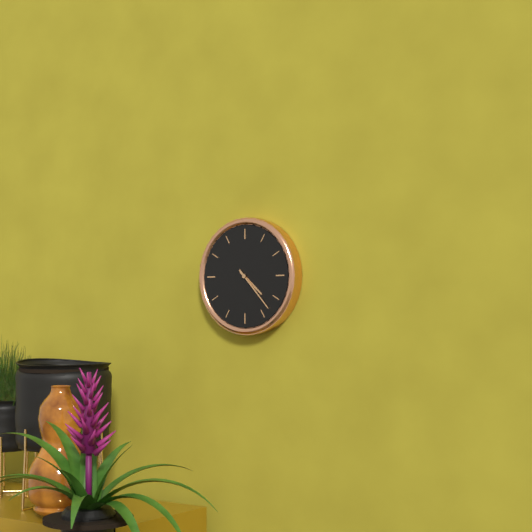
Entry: h=4 m=23
